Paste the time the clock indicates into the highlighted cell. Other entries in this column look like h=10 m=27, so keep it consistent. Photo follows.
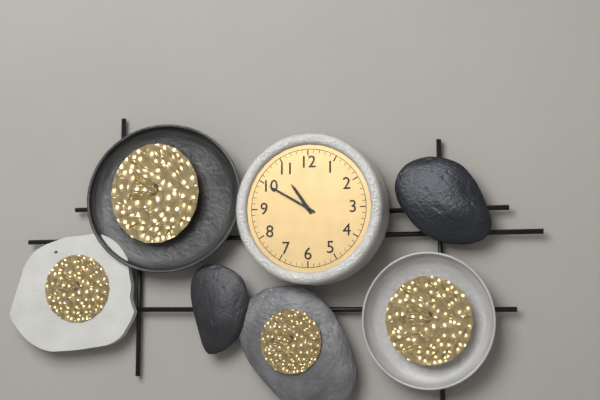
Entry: h=10 m=50
